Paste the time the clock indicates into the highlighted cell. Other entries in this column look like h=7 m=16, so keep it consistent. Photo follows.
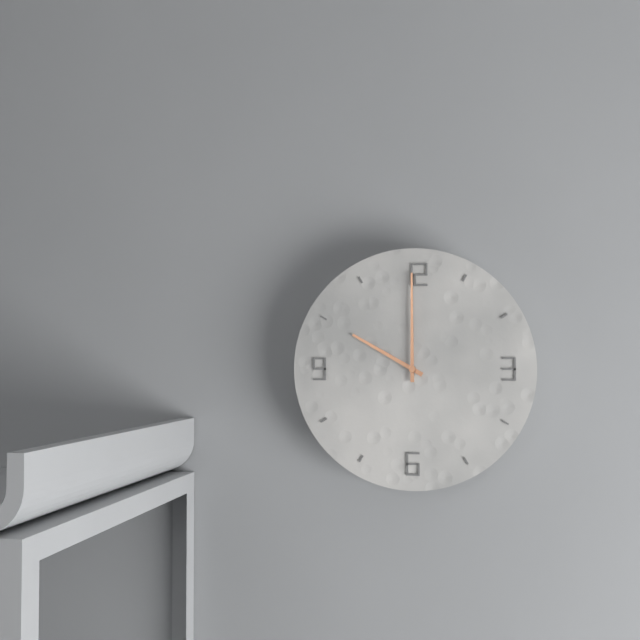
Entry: h=10 m=0
